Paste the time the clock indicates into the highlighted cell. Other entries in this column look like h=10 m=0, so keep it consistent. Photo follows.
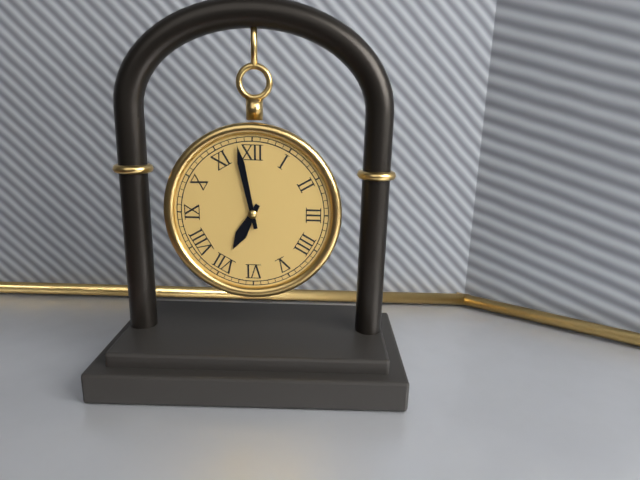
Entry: h=6 m=58
